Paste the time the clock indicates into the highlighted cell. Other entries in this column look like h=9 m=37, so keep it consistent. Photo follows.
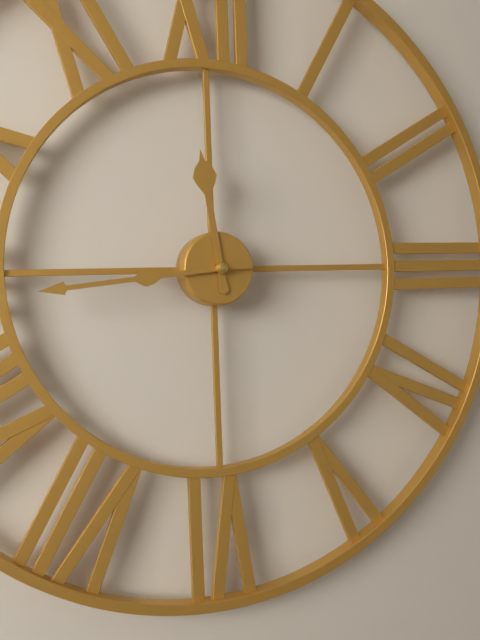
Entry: h=11 m=44
